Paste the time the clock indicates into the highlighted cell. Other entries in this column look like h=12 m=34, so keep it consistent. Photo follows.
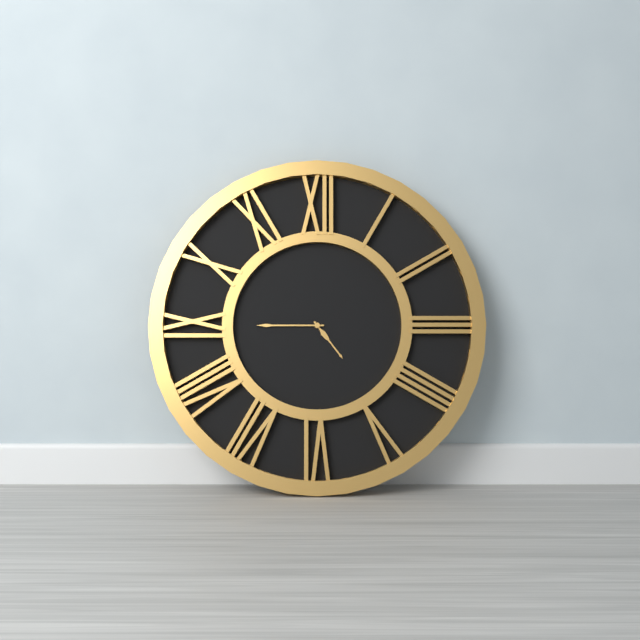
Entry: h=4 m=45
